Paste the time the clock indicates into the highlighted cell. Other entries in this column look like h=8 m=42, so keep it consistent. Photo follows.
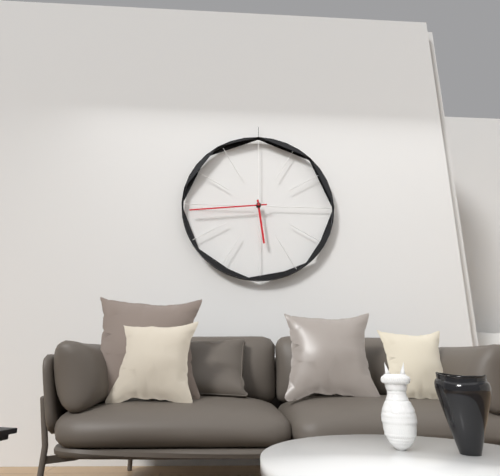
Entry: h=5 m=44
